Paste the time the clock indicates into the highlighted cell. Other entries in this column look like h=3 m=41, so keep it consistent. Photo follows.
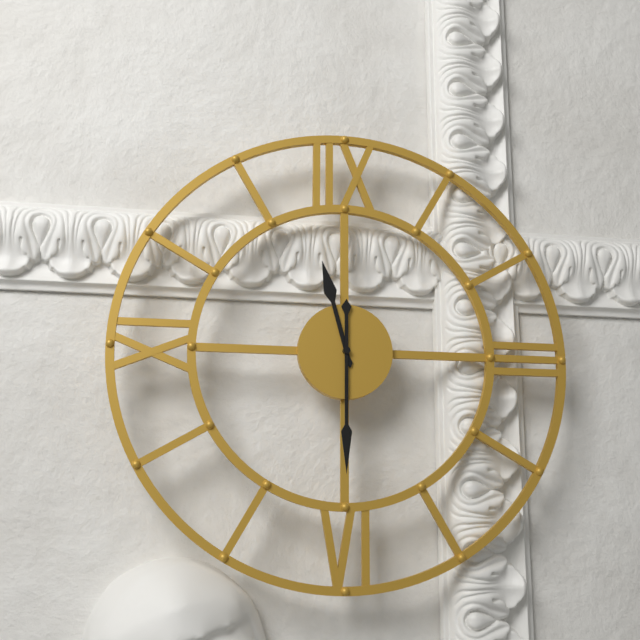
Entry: h=11 m=30
